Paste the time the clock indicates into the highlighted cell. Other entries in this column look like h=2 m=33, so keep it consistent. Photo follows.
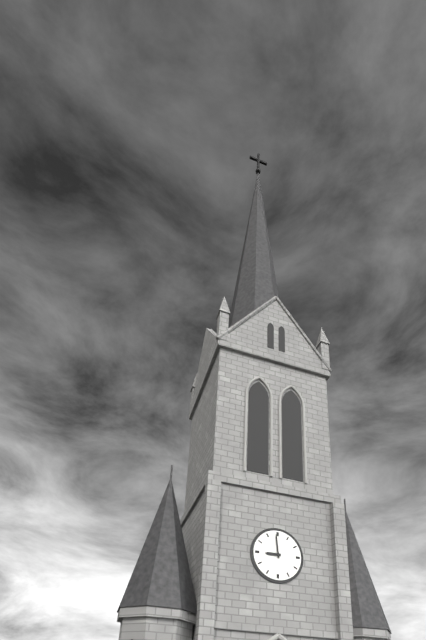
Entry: h=8 m=59
